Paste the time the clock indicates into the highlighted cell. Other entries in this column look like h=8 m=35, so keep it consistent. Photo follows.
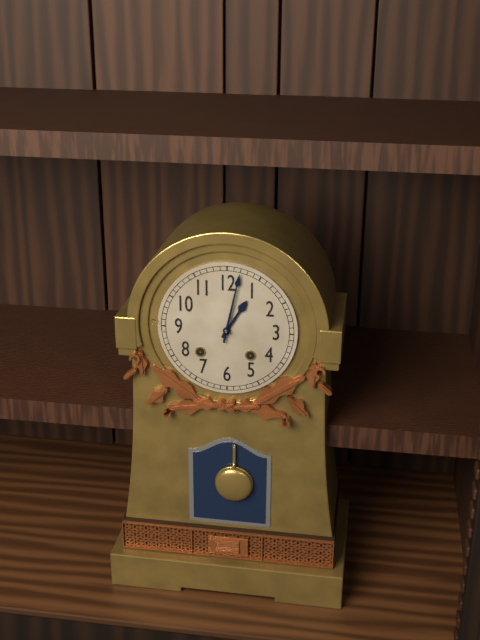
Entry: h=1 m=2
